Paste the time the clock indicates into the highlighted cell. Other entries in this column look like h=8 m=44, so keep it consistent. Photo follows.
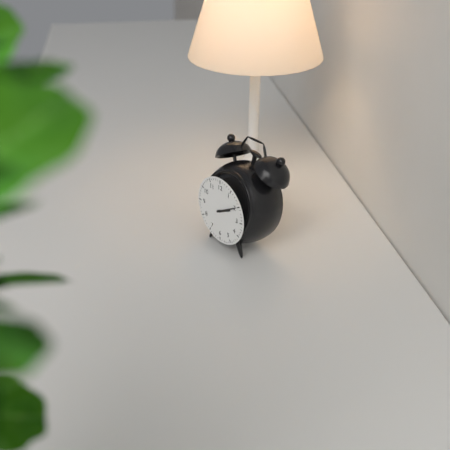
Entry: h=2 m=10
